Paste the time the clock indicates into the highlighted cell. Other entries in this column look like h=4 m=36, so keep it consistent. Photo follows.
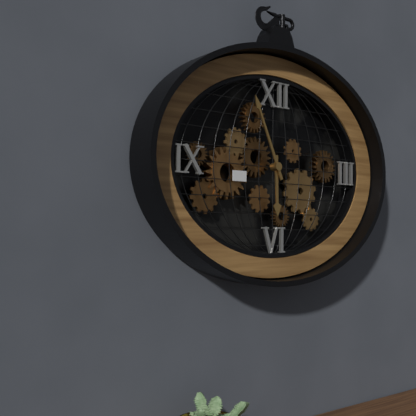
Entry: h=5 m=56
